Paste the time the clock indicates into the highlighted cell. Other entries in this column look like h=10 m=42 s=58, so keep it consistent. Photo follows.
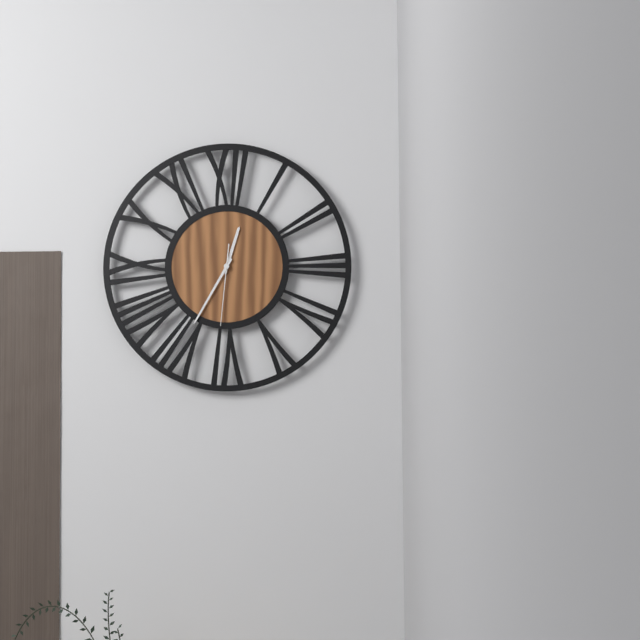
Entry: h=12 m=35 s=31
